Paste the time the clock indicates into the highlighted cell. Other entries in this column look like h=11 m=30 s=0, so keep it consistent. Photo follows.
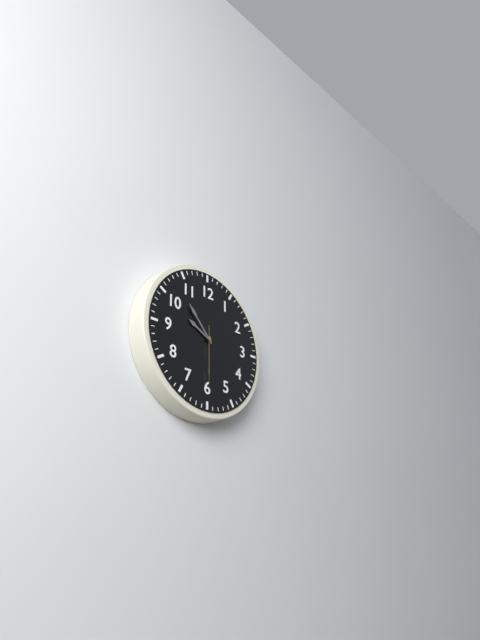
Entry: h=9 m=53 s=30
